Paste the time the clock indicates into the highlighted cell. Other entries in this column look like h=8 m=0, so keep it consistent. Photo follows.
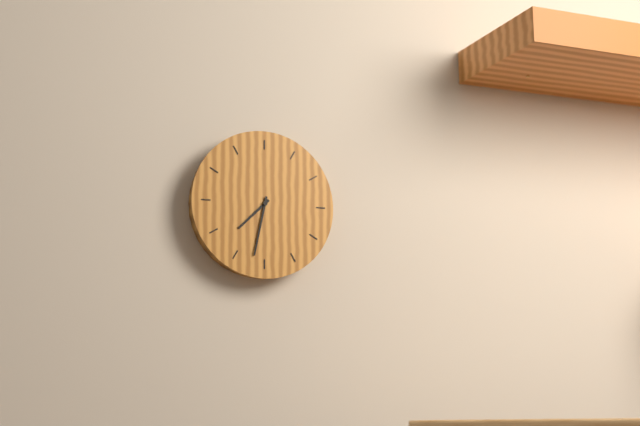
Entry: h=7 m=32
